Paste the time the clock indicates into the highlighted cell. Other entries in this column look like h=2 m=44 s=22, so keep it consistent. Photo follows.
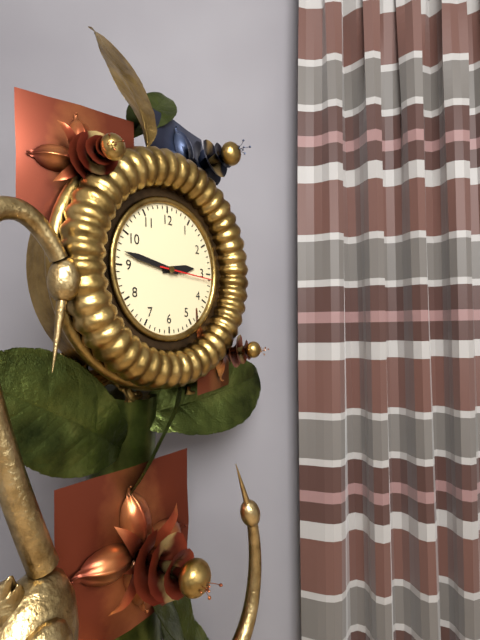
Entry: h=2 m=47 s=16
